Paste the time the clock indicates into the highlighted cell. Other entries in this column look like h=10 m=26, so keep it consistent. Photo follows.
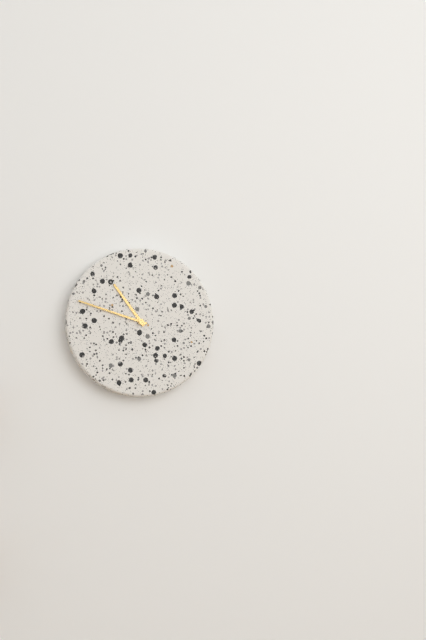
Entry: h=10 m=48
